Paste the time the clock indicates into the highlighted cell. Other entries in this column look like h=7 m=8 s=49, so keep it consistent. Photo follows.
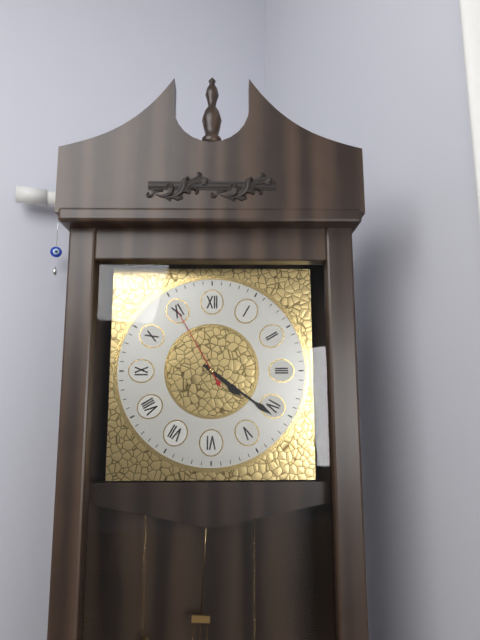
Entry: h=4 m=21 s=55
